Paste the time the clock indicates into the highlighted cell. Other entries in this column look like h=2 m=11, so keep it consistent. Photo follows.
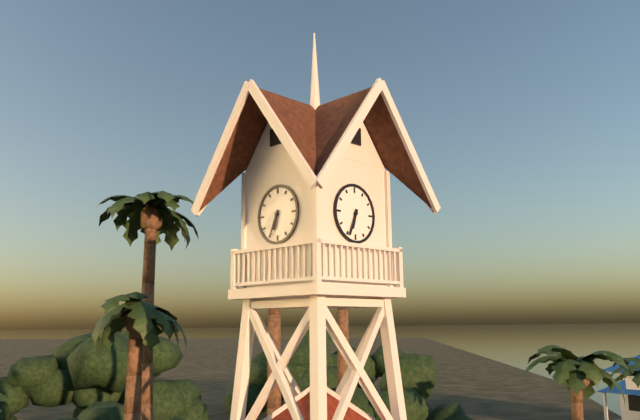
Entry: h=6 m=34
